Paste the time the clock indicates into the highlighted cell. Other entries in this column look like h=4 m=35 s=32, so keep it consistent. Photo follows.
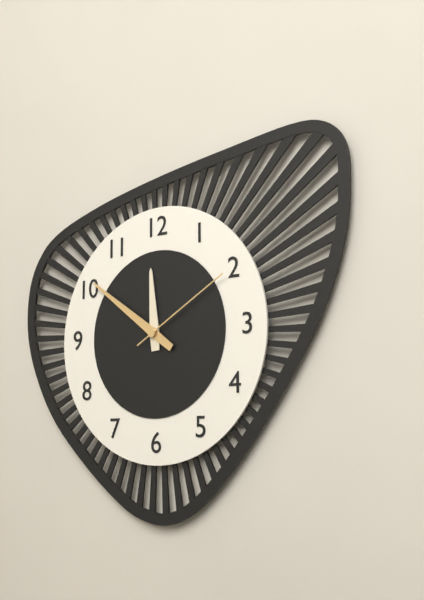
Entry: h=11 m=51 s=10
